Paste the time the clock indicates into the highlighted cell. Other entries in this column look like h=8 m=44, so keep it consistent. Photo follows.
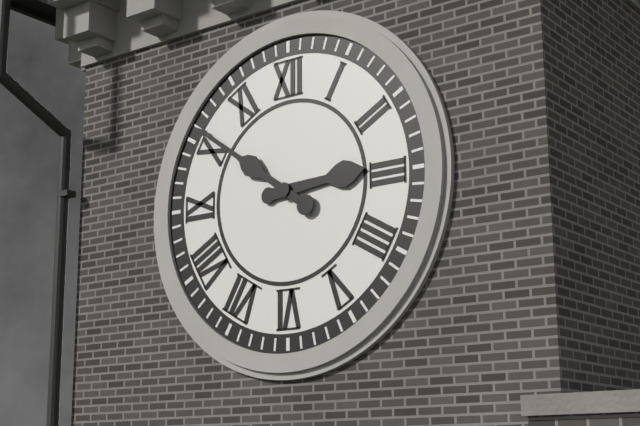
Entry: h=2 m=51
